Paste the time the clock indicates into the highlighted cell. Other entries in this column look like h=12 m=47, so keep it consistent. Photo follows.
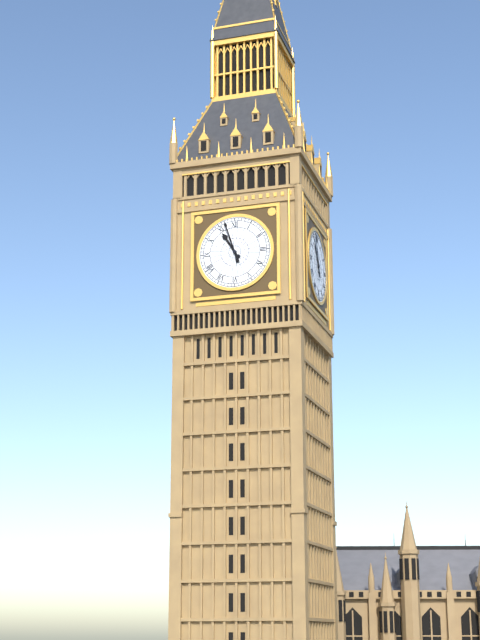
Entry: h=10 m=57
